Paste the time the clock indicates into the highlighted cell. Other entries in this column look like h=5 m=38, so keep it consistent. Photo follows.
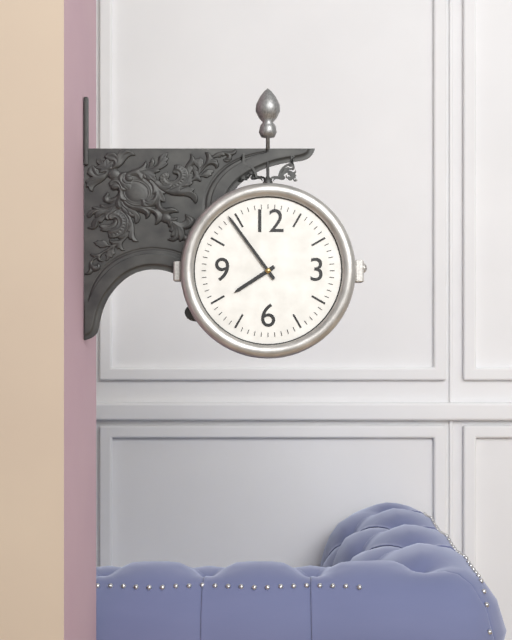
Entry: h=7 m=54
